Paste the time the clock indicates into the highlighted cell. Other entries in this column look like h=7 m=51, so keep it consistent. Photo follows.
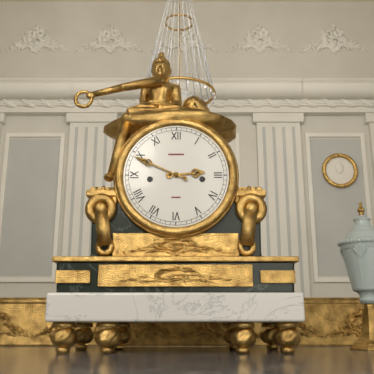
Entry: h=2 m=49
